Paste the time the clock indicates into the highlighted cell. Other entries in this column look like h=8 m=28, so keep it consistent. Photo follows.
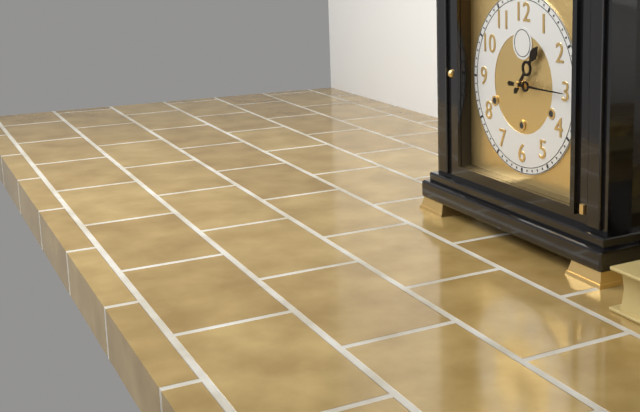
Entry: h=1 m=15
